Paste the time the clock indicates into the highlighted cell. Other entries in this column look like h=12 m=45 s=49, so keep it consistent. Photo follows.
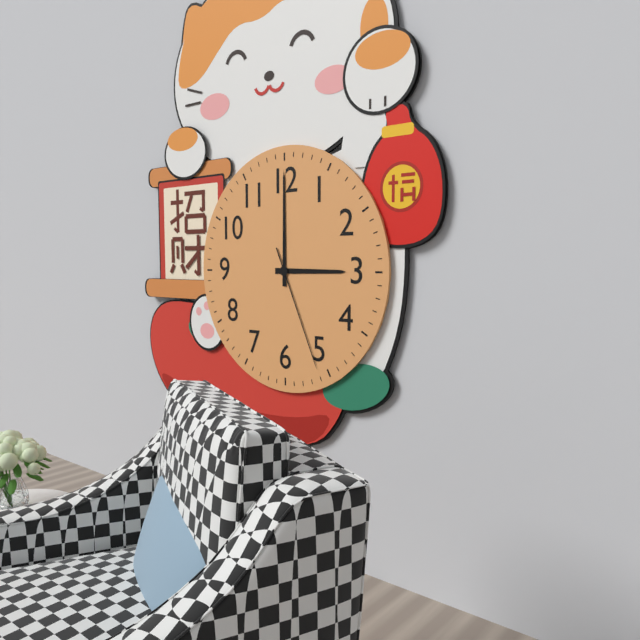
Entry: h=3 m=0 s=26
